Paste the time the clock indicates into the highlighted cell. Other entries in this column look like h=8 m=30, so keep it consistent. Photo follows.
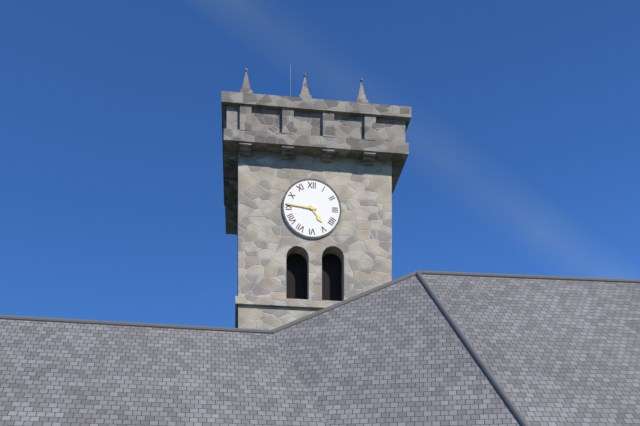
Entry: h=4 m=46
